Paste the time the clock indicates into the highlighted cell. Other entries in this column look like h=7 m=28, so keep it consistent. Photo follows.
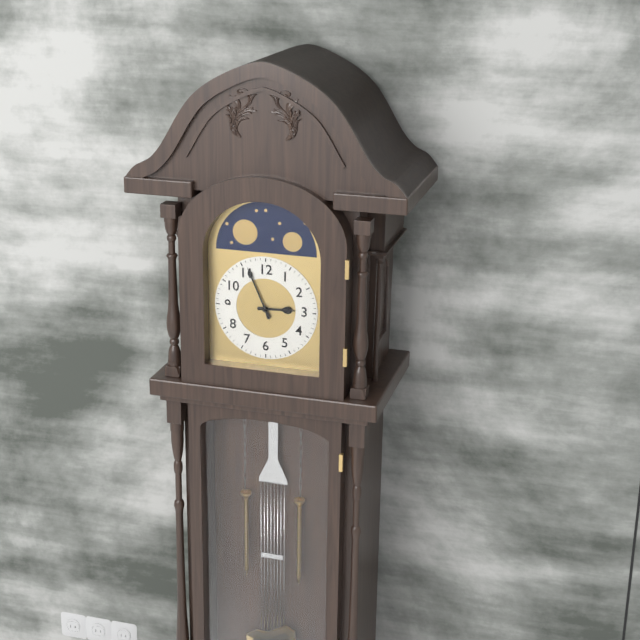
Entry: h=2 m=56
